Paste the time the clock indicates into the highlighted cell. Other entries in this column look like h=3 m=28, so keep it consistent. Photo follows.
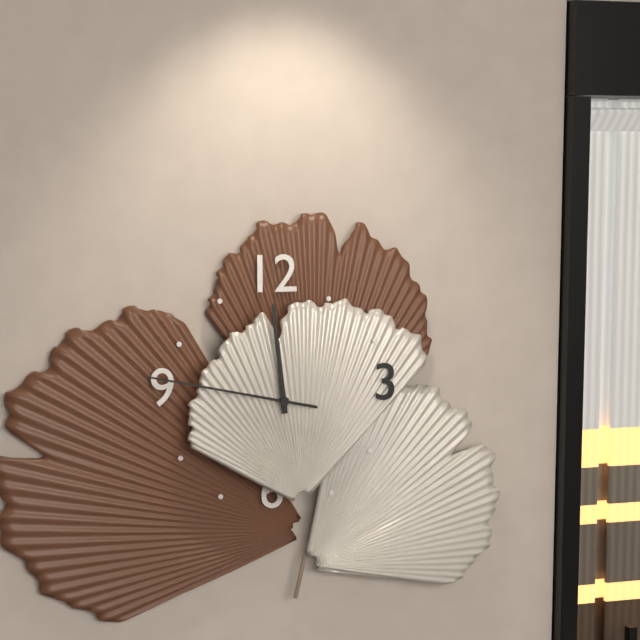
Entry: h=11 m=47
